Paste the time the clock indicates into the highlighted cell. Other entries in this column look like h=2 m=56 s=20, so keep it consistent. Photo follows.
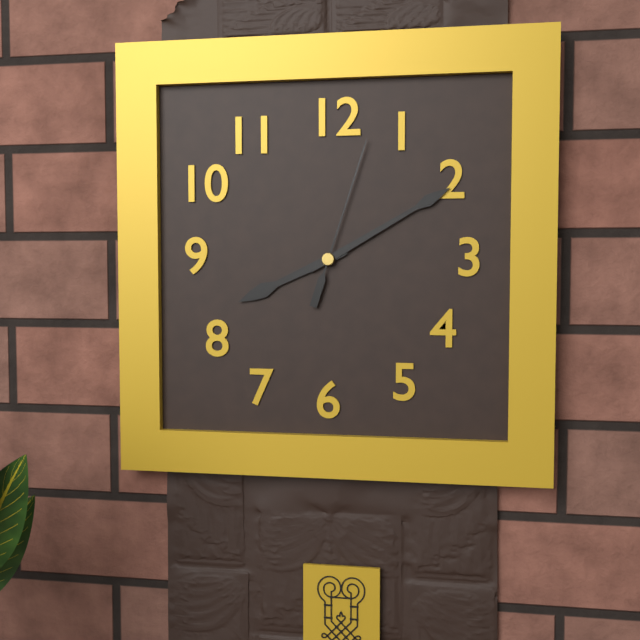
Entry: h=8 m=10 s=3
